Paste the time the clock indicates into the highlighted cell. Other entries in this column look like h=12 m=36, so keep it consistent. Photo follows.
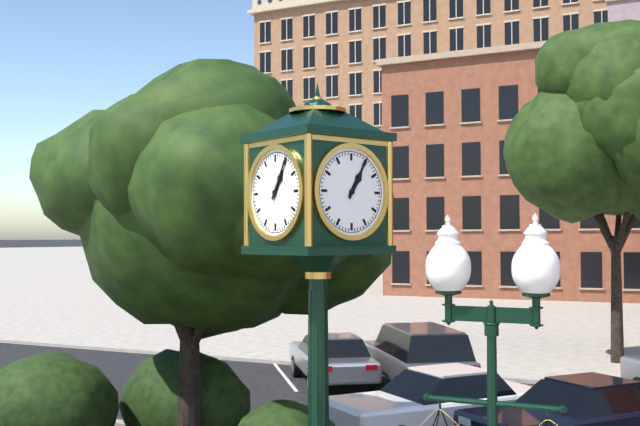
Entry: h=1 m=5
